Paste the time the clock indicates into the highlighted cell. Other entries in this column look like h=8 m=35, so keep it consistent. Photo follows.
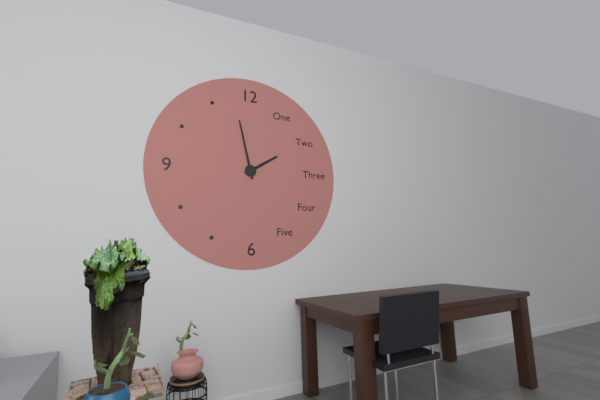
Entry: h=1 m=58
